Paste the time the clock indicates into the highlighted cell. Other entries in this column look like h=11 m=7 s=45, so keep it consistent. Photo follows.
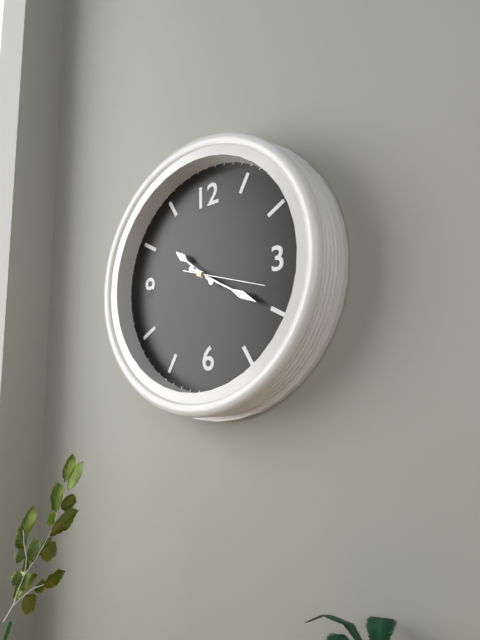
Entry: h=10 m=20 s=18
